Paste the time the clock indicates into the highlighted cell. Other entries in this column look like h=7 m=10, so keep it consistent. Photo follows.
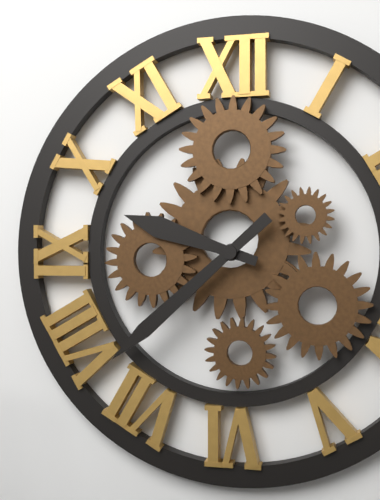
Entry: h=9 m=38
